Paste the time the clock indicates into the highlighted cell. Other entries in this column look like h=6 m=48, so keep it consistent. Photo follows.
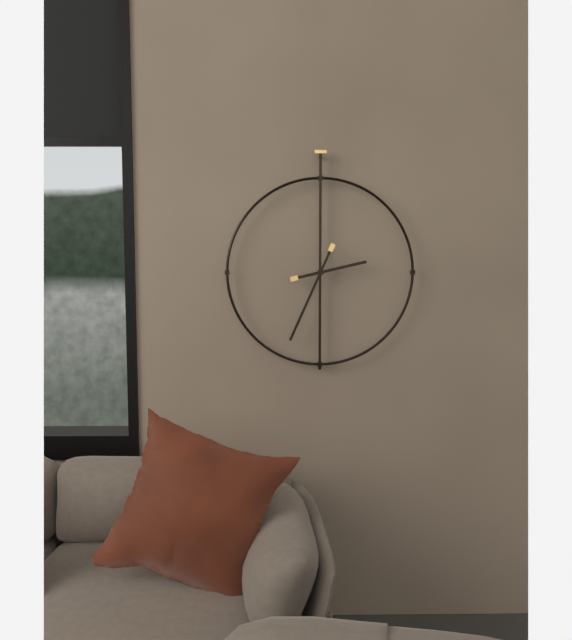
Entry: h=2 m=34
